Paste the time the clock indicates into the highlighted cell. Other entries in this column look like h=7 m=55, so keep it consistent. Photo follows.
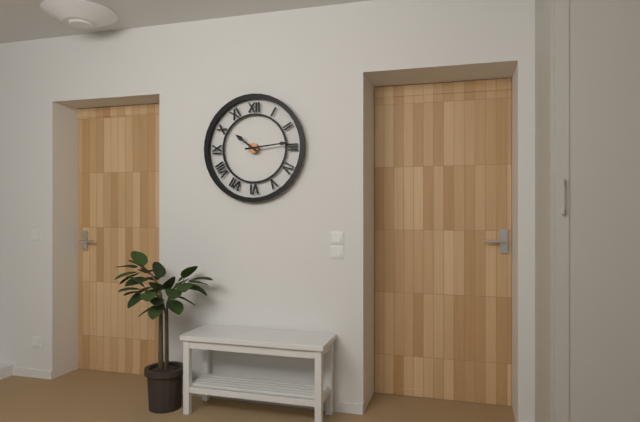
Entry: h=10 m=14
